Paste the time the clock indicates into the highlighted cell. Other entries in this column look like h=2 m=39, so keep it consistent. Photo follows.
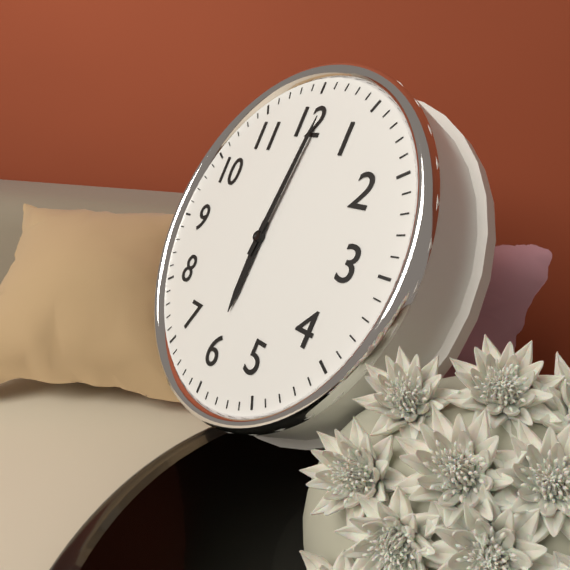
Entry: h=6 m=1
